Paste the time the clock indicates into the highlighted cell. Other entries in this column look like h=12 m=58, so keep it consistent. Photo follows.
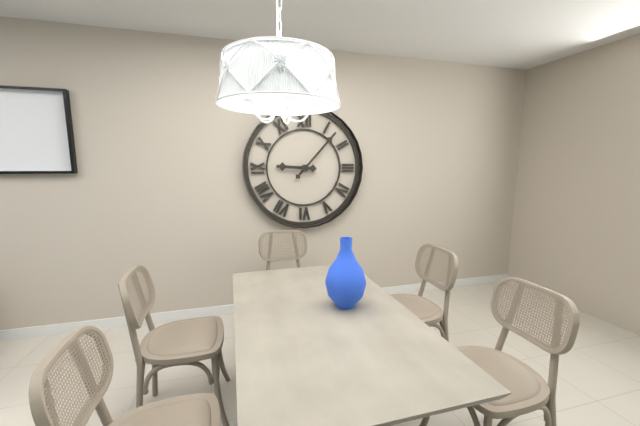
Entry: h=9 m=7
